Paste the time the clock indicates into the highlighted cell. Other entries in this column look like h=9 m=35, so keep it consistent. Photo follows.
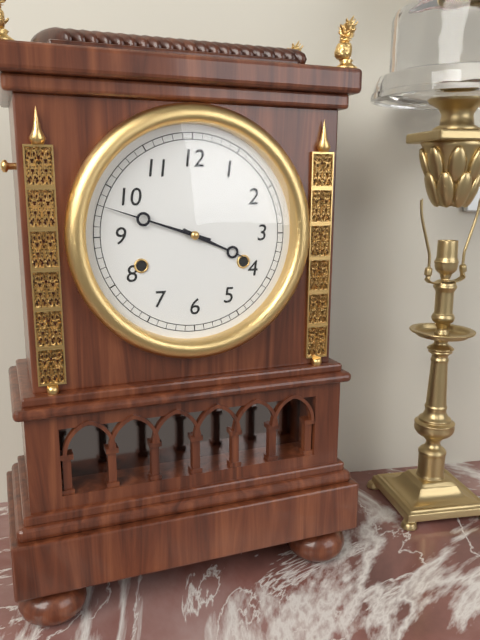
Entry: h=3 m=48
